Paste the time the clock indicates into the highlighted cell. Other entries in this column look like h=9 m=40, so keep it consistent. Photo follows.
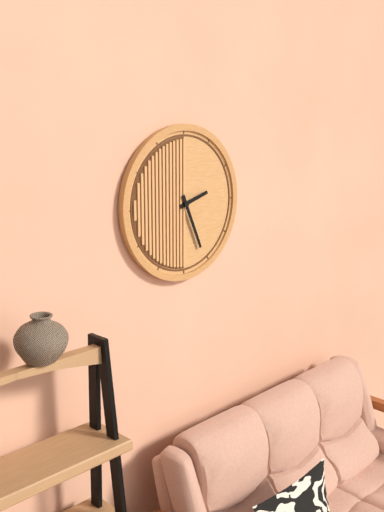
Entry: h=2 m=26
